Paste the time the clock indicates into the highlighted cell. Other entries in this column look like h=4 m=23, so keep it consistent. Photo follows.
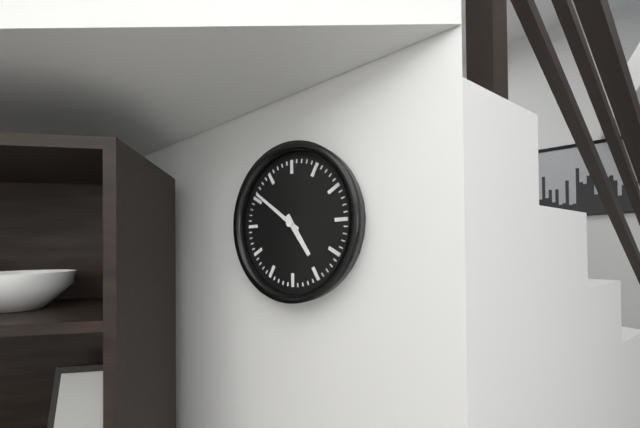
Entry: h=4 m=51
